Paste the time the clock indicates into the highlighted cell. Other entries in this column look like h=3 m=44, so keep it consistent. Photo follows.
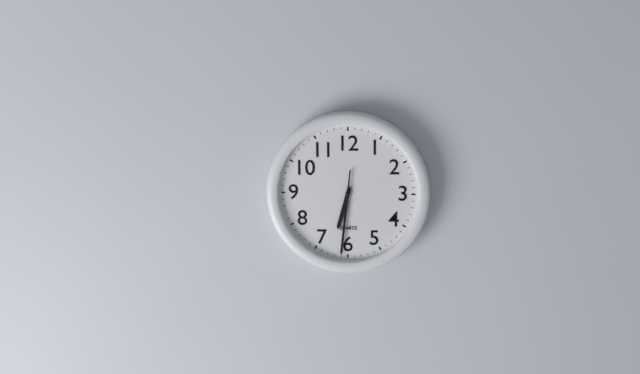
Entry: h=6 m=31
